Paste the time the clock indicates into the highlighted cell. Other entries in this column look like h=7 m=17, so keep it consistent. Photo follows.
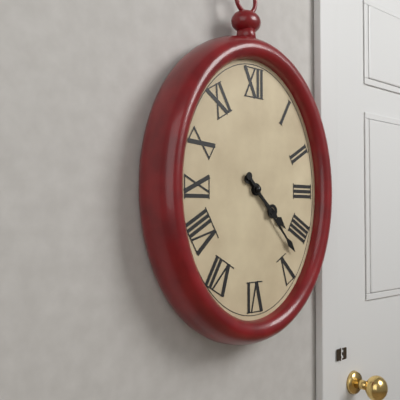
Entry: h=4 m=23
